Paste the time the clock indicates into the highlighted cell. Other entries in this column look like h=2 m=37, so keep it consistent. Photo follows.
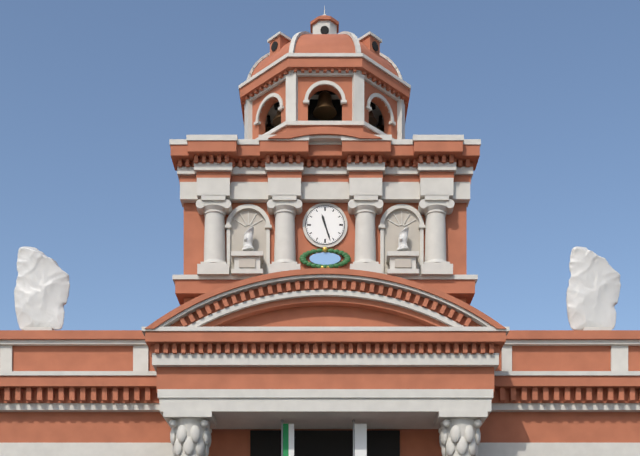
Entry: h=11 m=27
